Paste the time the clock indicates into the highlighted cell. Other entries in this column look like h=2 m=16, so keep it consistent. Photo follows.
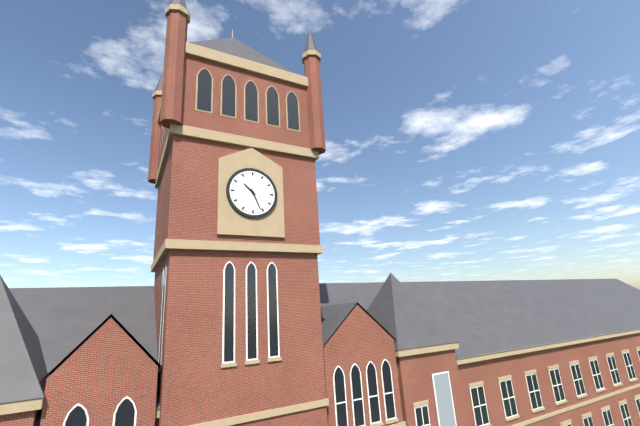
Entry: h=10 m=26
